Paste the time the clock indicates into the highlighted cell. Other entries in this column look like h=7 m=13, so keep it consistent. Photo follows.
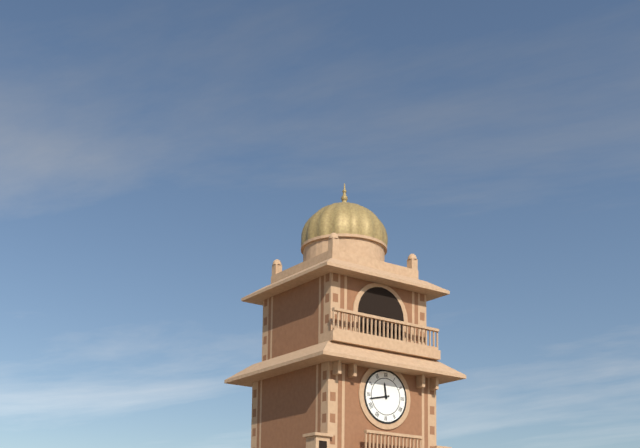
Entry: h=11 m=43
